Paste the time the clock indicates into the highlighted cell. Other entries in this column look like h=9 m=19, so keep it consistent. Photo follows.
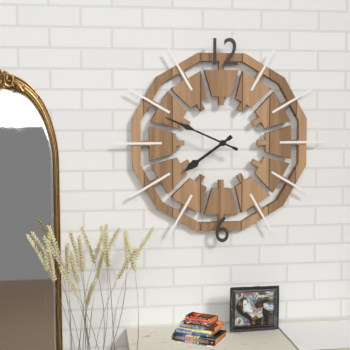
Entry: h=7 m=49
